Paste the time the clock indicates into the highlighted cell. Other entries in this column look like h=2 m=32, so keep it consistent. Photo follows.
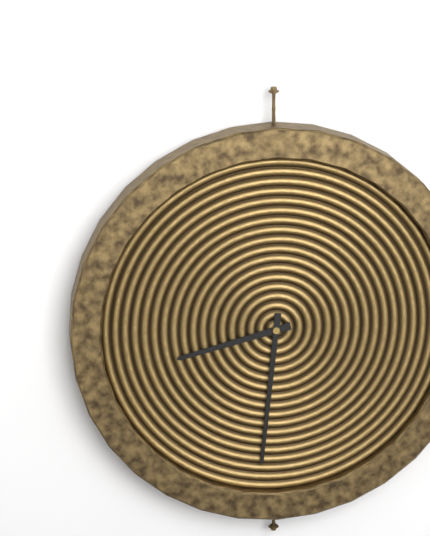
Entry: h=8 m=31
